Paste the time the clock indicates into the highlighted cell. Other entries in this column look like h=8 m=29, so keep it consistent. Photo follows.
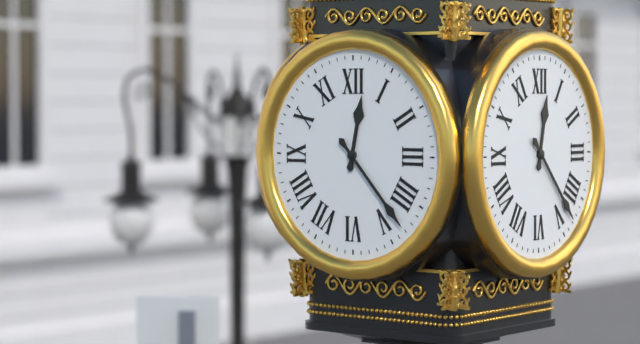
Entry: h=12 m=23
